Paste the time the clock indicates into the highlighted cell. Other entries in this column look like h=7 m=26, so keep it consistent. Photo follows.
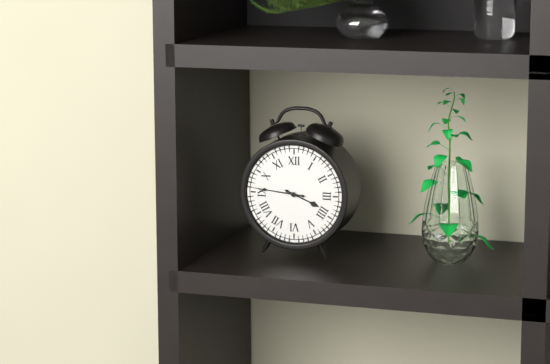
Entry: h=3 m=46
